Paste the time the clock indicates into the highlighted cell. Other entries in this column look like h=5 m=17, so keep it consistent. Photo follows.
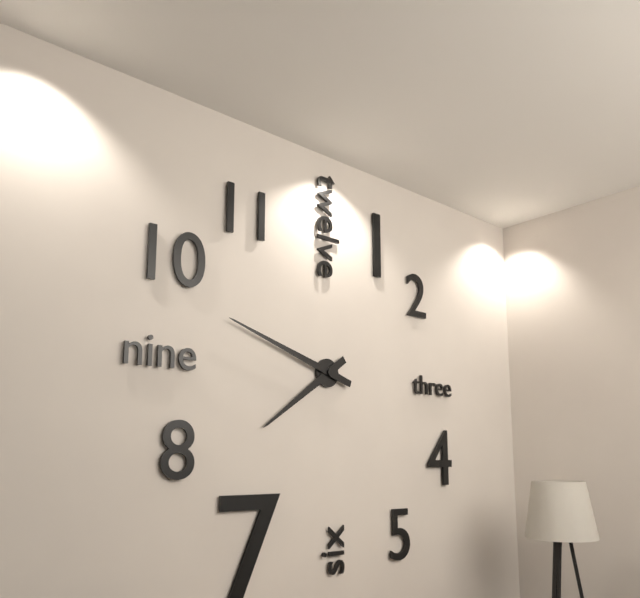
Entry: h=7 m=48
